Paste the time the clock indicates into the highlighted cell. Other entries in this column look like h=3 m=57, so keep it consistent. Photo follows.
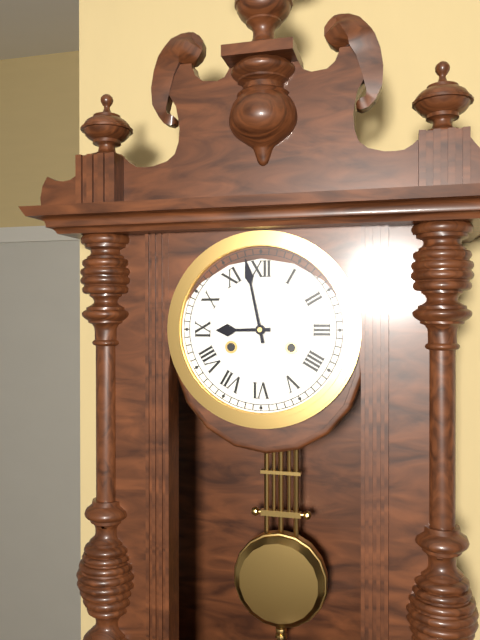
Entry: h=8 m=58
